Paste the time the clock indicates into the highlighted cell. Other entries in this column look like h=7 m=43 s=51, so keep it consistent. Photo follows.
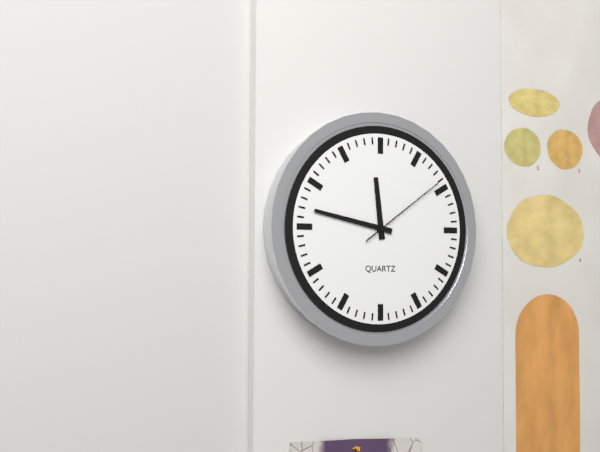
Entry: h=11 m=47 s=9
